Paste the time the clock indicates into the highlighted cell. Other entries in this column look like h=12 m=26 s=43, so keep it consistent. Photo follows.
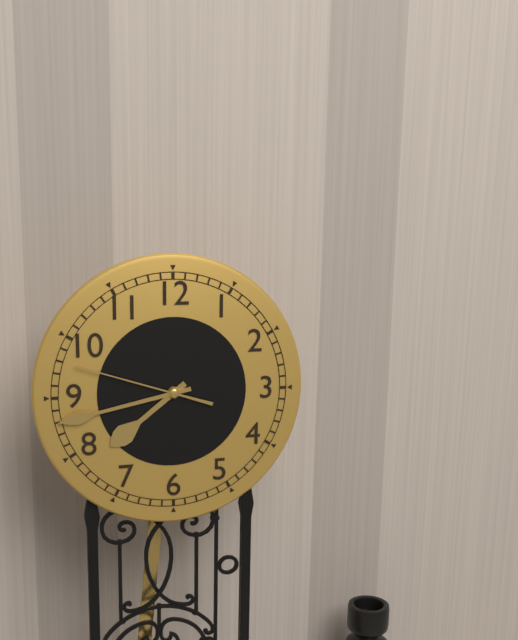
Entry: h=7 m=43 s=48
